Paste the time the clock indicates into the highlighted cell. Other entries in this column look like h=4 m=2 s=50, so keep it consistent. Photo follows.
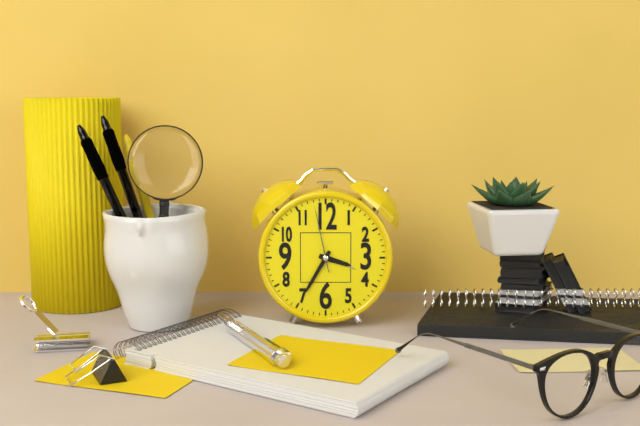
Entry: h=3 m=35 s=58
